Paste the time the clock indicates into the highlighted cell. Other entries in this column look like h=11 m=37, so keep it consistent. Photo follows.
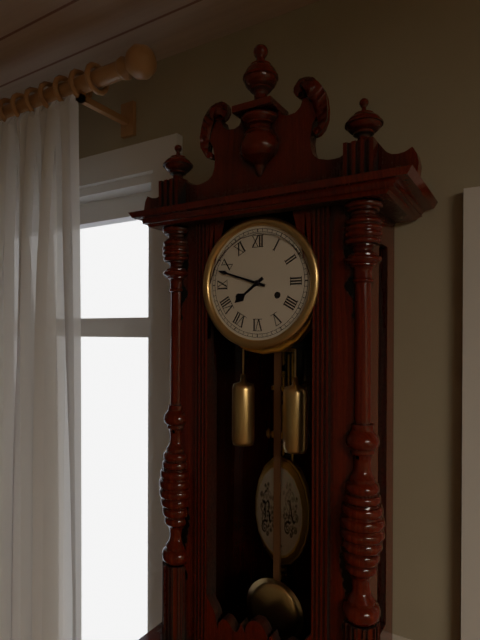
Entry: h=7 m=48
